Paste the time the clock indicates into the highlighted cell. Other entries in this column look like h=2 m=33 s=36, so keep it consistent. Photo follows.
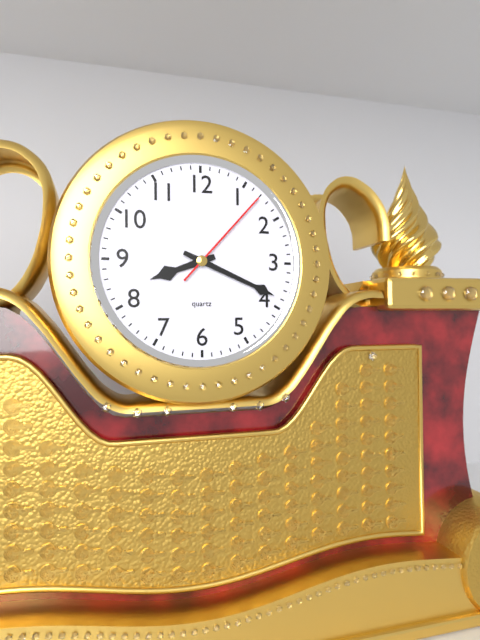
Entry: h=8 m=19 s=7
